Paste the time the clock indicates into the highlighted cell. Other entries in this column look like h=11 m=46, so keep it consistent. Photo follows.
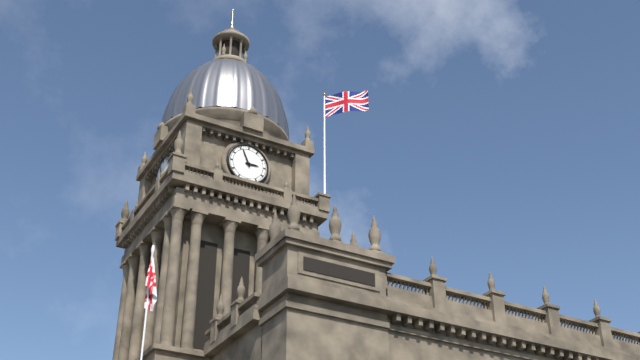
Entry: h=2 m=56
